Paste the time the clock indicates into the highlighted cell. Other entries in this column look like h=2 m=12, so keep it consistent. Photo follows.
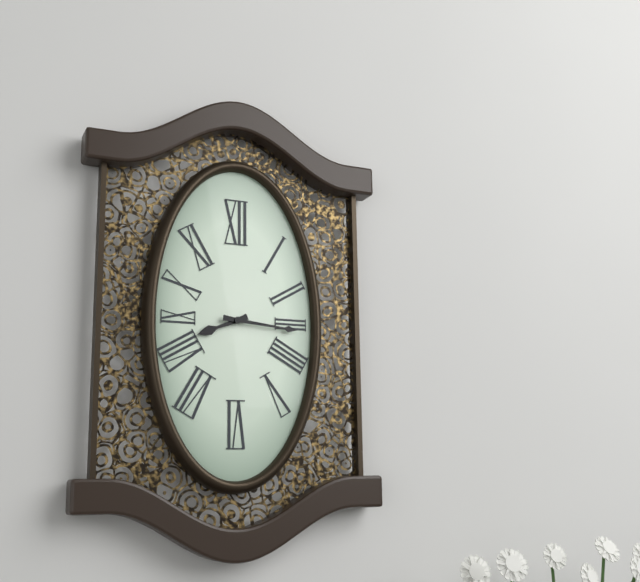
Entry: h=8 m=16
